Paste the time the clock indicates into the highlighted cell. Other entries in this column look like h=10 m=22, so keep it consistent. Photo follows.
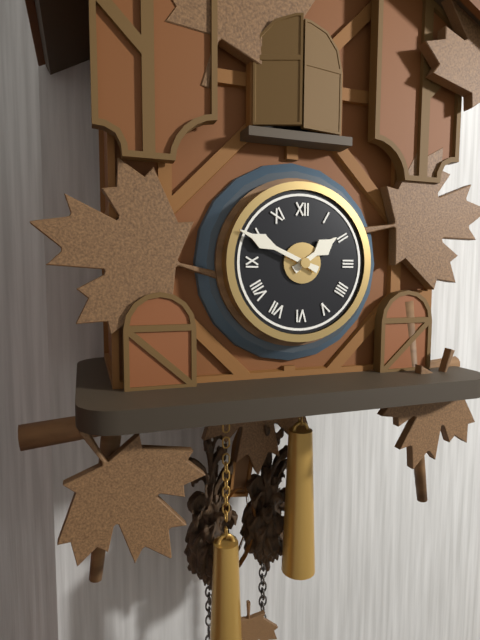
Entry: h=1 m=49
